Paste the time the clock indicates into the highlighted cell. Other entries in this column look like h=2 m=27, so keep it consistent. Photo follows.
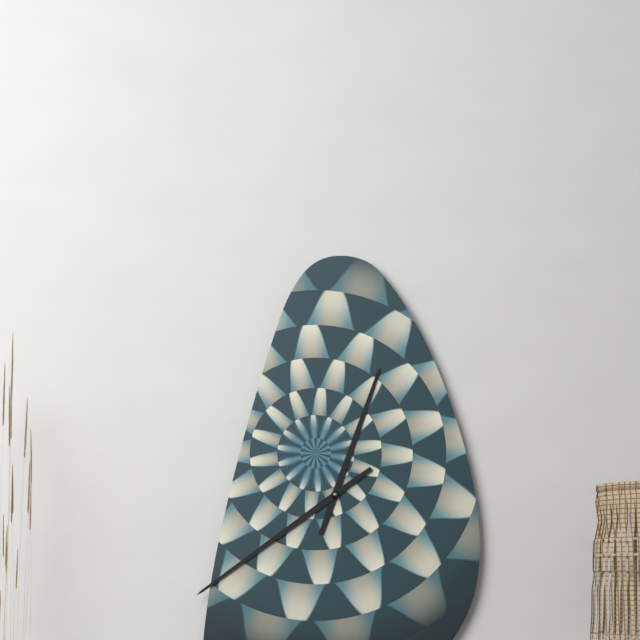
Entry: h=12 m=39
